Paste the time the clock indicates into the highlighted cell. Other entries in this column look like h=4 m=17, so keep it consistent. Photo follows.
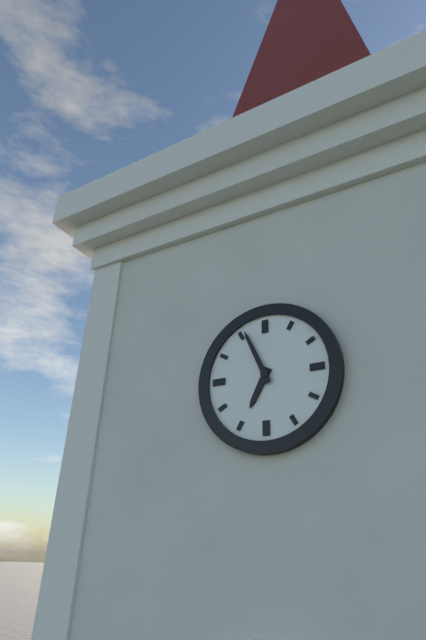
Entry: h=6 m=56
